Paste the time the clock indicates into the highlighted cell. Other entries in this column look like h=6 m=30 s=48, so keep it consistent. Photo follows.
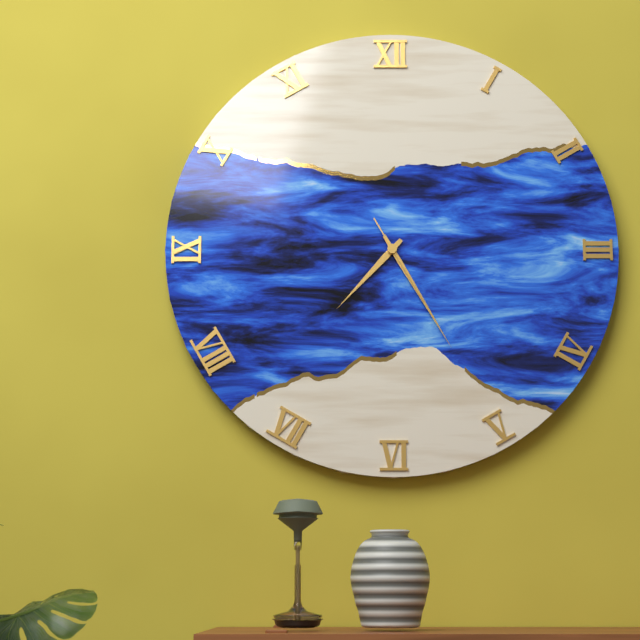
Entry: h=7 m=25 s=25
